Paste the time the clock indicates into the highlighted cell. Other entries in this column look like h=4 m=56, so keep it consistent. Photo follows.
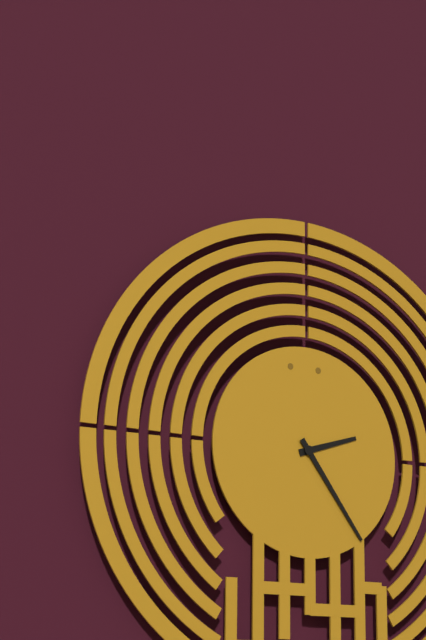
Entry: h=2 m=24
